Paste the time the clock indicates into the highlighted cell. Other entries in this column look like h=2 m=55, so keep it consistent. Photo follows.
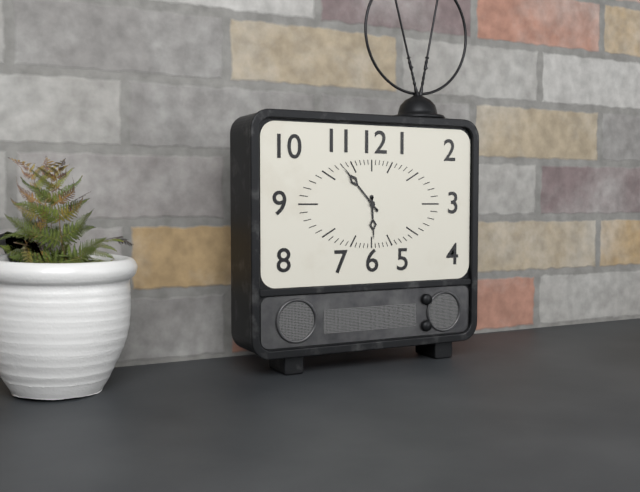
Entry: h=5 m=53
